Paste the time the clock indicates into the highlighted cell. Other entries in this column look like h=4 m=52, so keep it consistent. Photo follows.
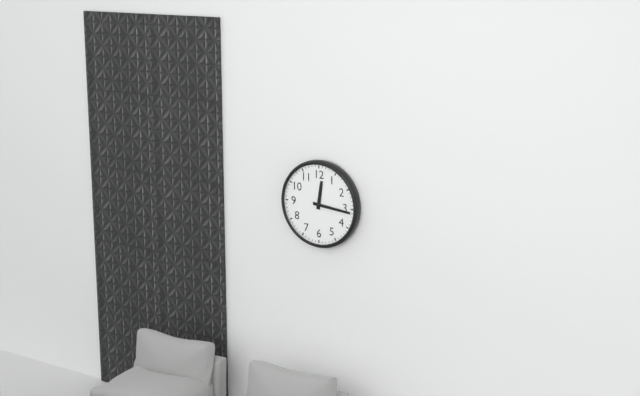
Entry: h=12 m=16
